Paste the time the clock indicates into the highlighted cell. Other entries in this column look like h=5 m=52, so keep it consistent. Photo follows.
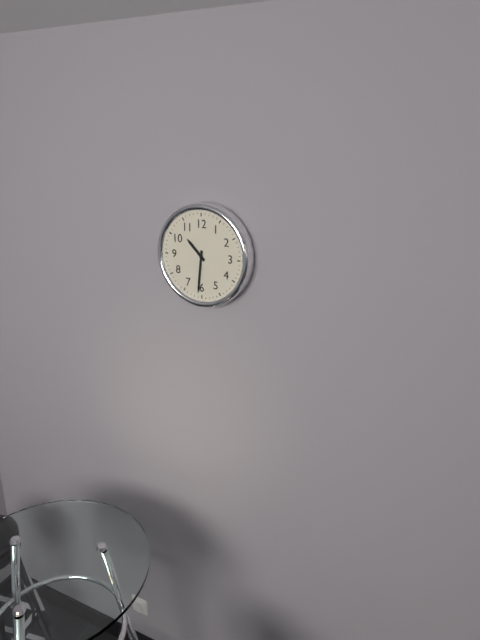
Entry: h=10 m=31
